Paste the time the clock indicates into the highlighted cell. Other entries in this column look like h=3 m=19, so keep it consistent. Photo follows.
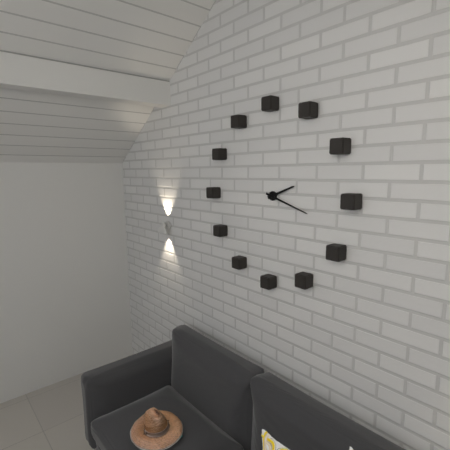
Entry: h=2 m=18
